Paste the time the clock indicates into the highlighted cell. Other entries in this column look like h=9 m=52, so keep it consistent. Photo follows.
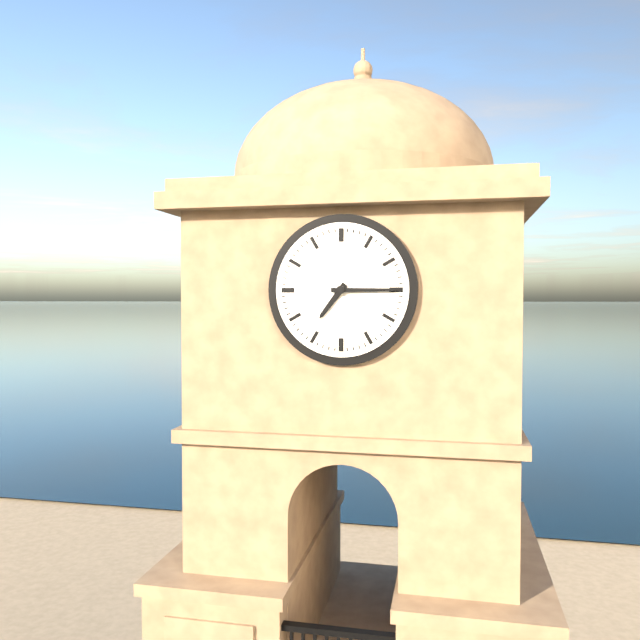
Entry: h=7 m=15
